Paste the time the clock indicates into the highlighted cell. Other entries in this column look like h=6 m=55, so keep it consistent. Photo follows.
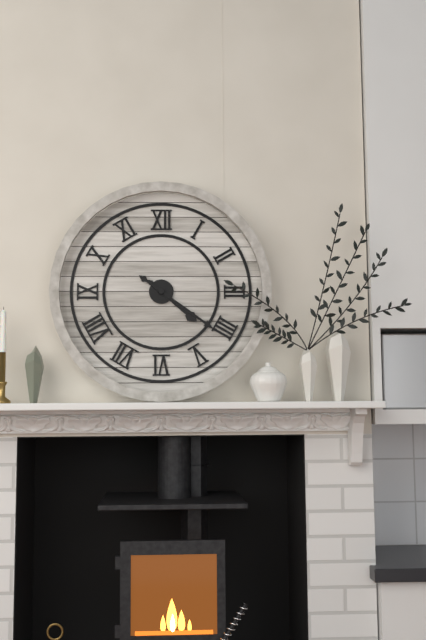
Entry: h=4 m=21
